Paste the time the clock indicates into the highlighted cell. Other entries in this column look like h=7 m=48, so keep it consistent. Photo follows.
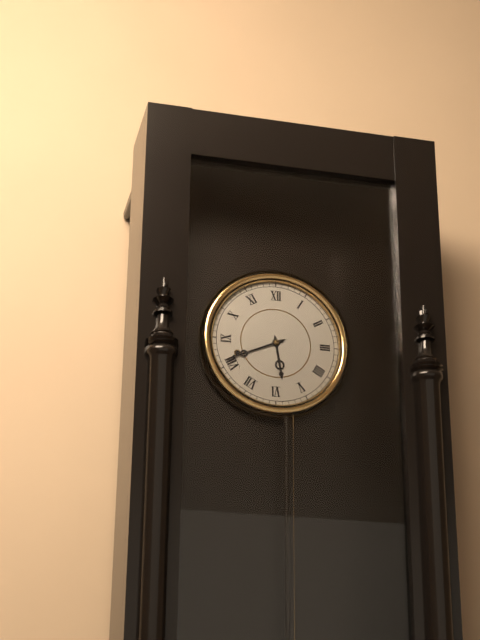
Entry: h=5 m=41
